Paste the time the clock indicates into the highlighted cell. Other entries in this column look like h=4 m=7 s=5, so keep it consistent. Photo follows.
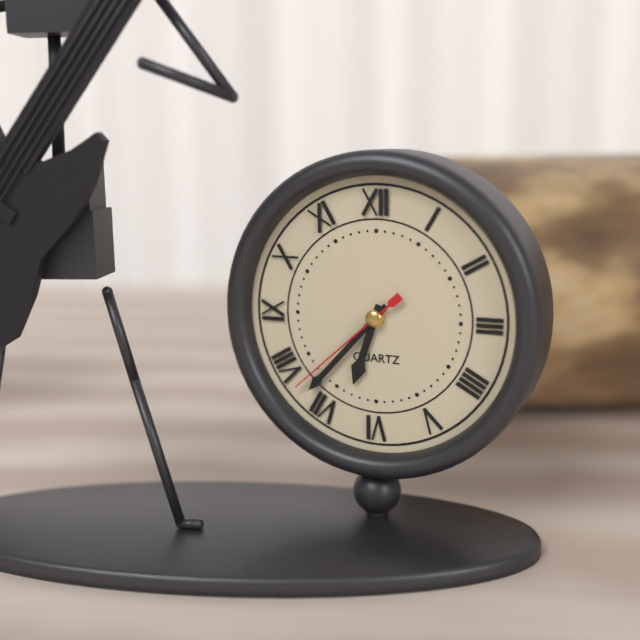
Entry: h=6 m=37 s=38
